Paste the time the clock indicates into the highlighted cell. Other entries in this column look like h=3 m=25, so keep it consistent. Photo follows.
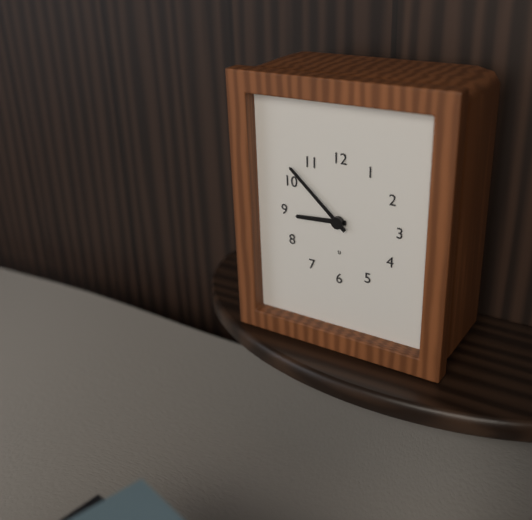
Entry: h=8 m=52
